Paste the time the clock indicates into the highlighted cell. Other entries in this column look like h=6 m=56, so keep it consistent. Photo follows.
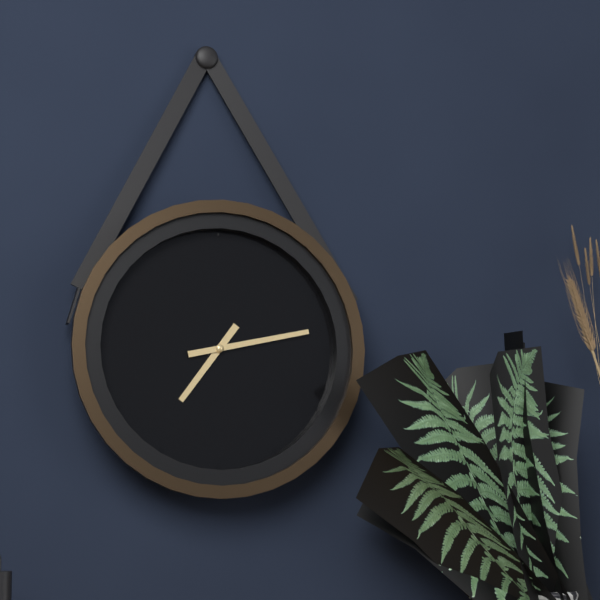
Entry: h=7 m=13
